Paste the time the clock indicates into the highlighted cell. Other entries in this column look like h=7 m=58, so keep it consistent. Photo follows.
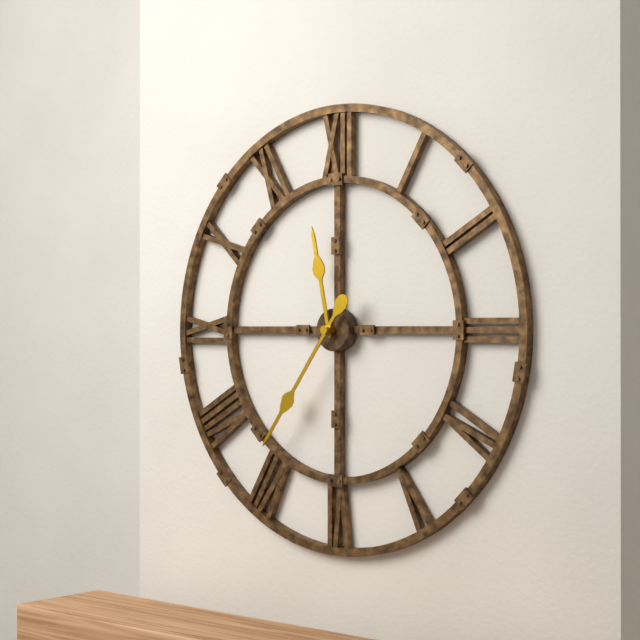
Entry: h=11 m=36
